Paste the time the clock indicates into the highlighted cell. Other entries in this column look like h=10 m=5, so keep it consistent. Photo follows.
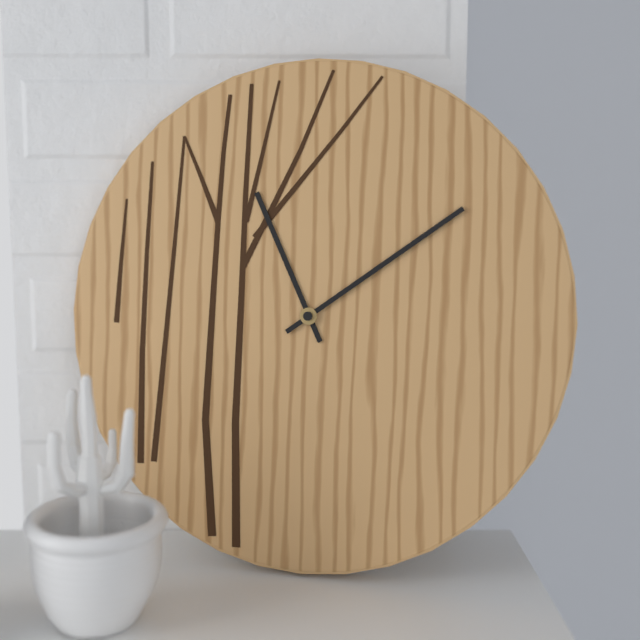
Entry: h=11 m=9
